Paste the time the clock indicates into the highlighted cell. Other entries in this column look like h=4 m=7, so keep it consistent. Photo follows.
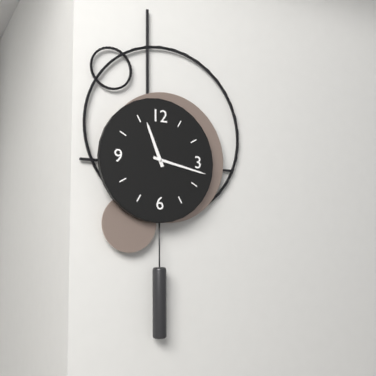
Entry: h=11 m=17
